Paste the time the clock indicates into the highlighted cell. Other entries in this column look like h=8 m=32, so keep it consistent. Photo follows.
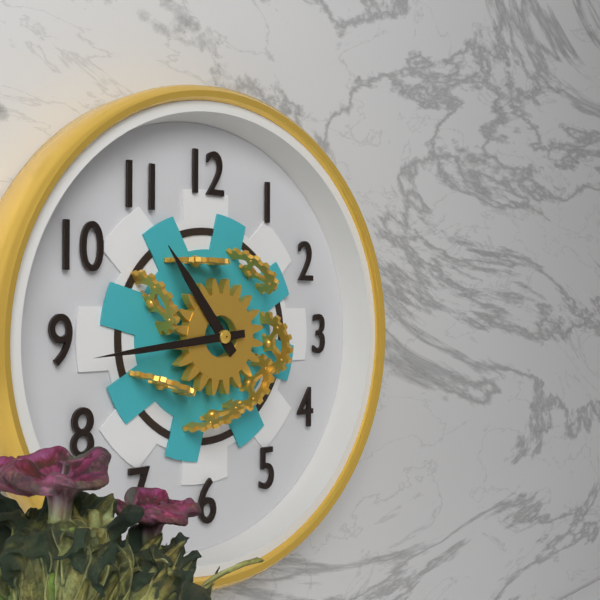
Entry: h=10 m=44
